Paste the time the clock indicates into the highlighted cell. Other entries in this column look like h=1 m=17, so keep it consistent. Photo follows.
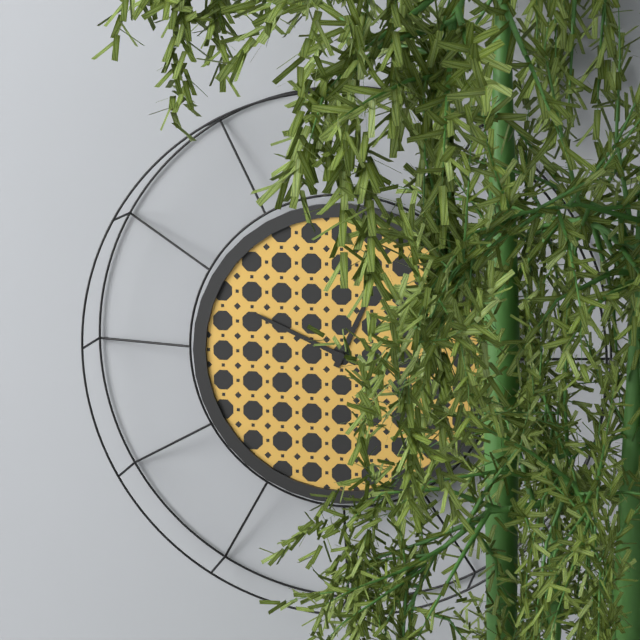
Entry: h=12 m=49
